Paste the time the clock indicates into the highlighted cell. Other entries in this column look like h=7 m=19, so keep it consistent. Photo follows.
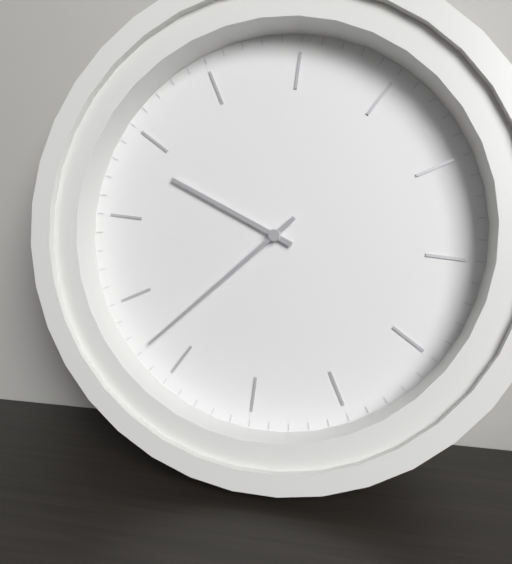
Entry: h=10 m=42
